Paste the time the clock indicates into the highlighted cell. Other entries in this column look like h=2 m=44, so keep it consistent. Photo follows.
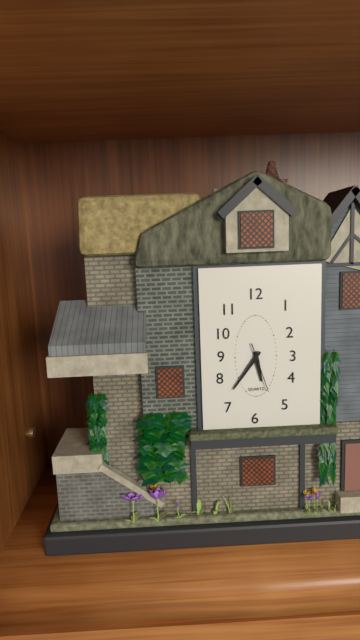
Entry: h=5 m=36
